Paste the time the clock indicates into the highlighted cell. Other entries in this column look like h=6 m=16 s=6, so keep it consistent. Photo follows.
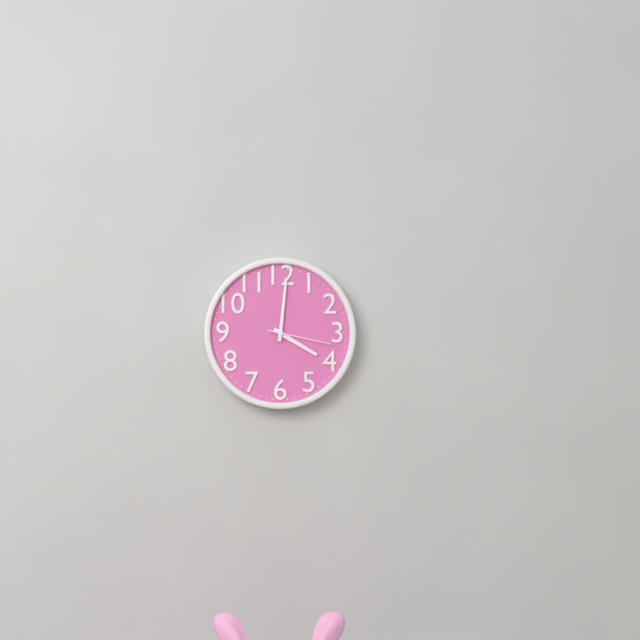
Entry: h=4 m=1 s=17
